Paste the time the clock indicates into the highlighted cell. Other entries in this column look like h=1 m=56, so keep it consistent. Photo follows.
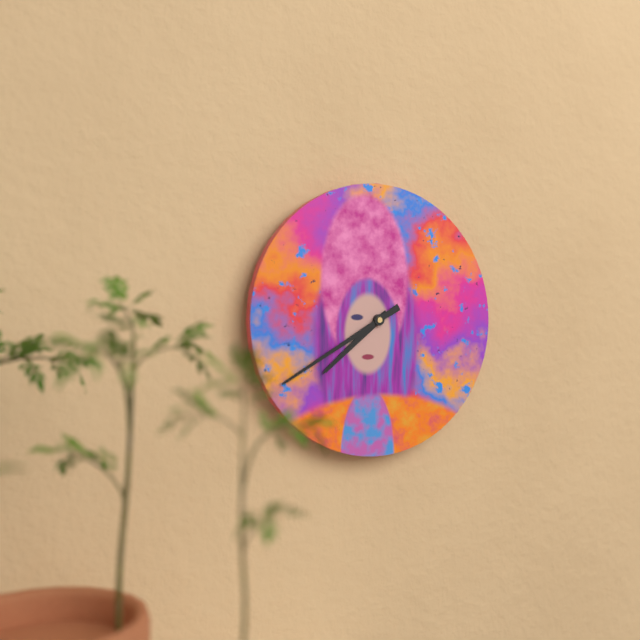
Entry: h=7 m=40
